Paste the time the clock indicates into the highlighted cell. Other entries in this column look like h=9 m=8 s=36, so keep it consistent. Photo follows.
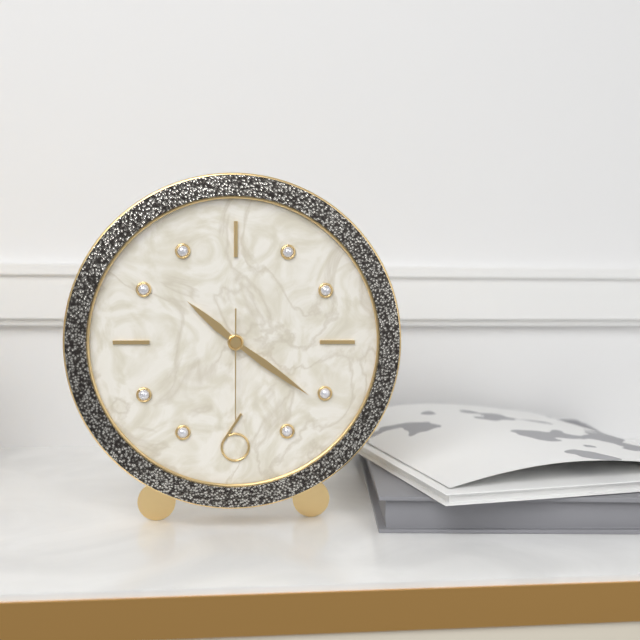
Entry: h=10 m=21 s=30
